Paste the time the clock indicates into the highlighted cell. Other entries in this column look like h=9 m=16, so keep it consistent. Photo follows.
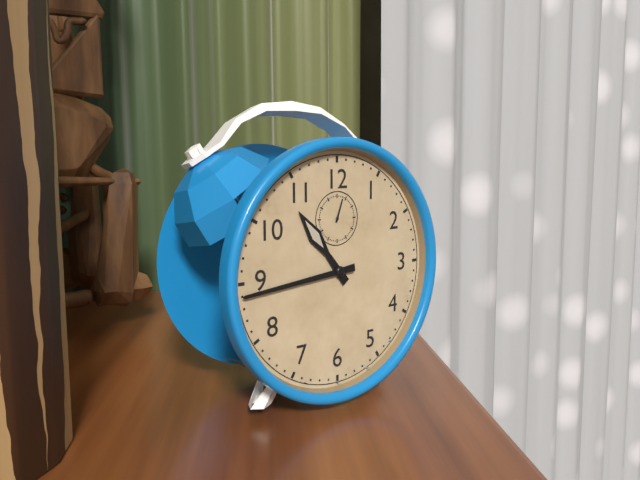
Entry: h=10 m=44
